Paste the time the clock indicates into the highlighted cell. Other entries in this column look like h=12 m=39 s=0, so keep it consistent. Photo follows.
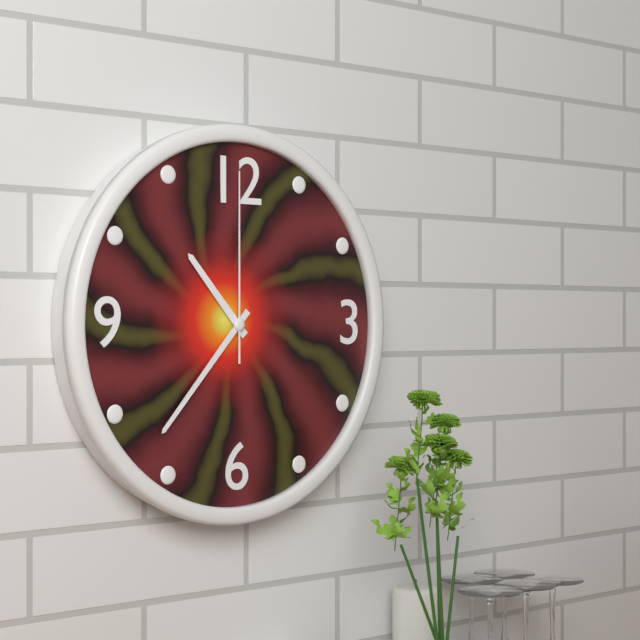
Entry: h=10 m=37 s=0
